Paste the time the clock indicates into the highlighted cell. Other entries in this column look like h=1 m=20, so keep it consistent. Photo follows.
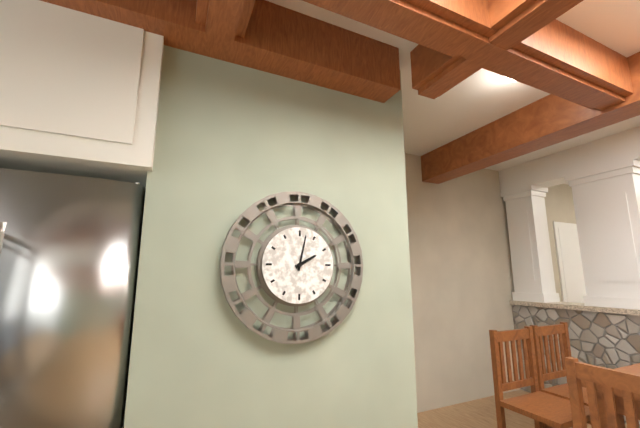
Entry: h=2 m=2
